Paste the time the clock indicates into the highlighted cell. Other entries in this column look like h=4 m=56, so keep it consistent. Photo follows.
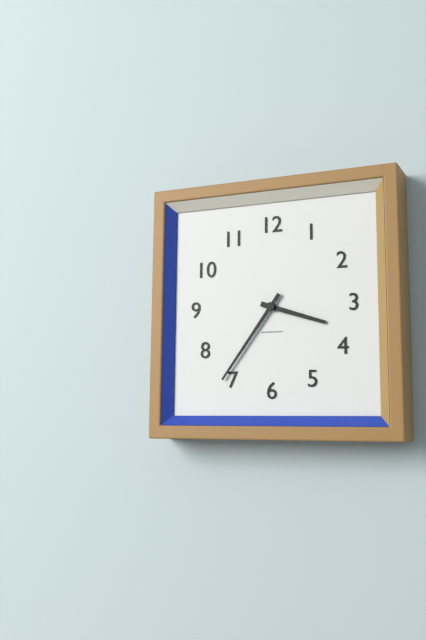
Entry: h=3 m=36
